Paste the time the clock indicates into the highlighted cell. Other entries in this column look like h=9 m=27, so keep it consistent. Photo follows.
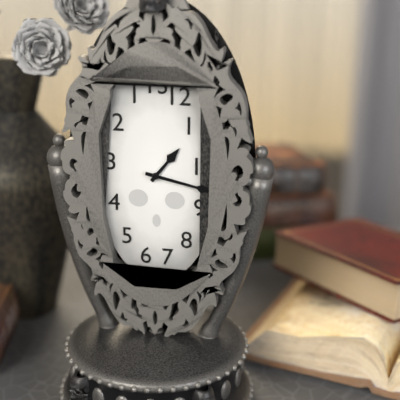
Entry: h=1 m=17
